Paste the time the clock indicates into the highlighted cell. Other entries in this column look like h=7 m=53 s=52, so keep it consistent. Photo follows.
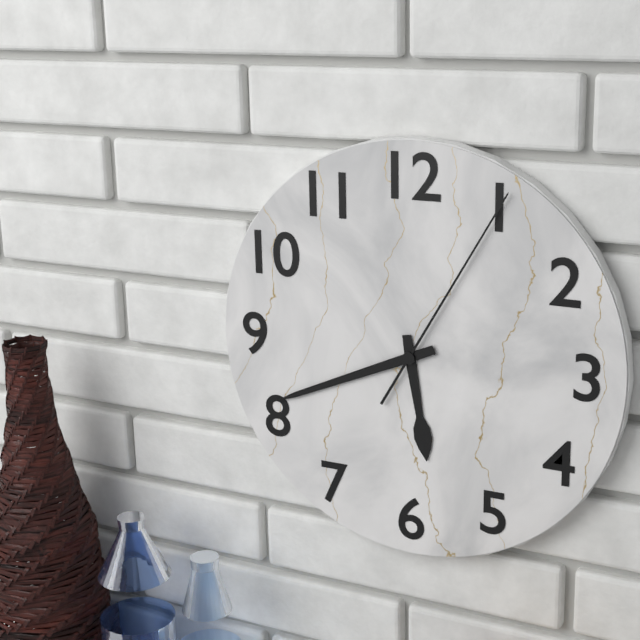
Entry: h=5 m=41 s=5
